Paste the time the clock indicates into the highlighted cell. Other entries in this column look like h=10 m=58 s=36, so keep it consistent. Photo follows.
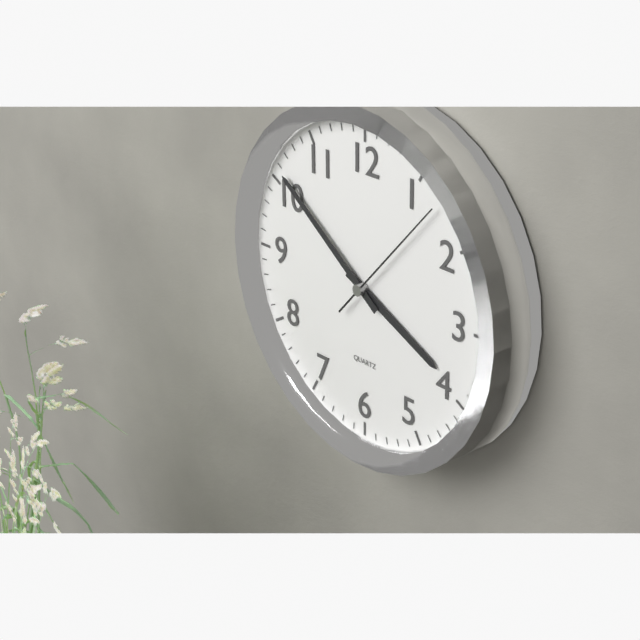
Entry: h=3 m=51 s=7
